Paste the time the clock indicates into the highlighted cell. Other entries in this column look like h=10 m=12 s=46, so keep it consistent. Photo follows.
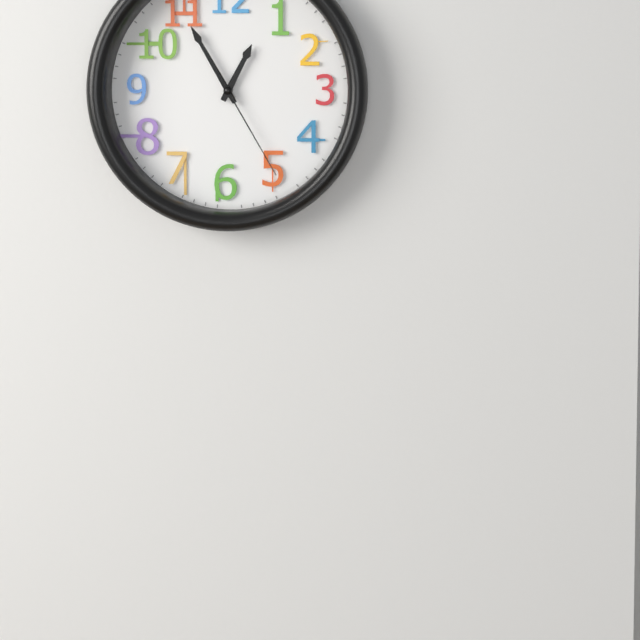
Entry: h=12 m=55 s=25
